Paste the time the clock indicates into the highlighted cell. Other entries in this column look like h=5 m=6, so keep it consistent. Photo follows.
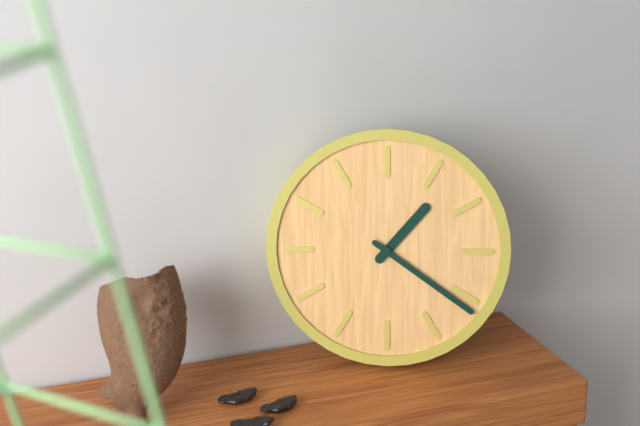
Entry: h=1 m=21
